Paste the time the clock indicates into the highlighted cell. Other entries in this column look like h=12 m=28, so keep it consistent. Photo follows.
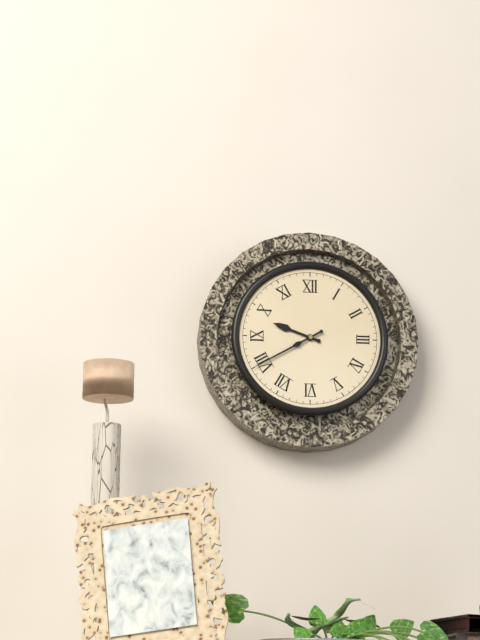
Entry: h=9 m=40
